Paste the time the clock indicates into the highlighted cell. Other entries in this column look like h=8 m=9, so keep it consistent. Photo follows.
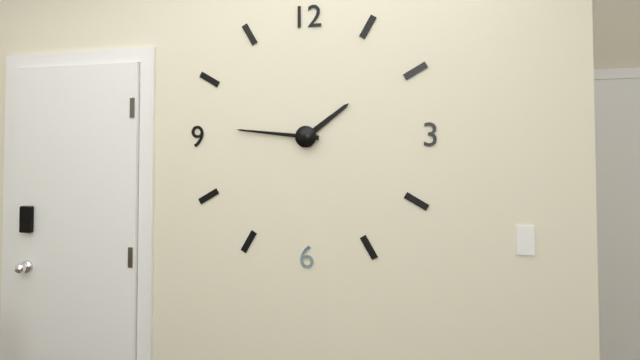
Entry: h=1 m=46
